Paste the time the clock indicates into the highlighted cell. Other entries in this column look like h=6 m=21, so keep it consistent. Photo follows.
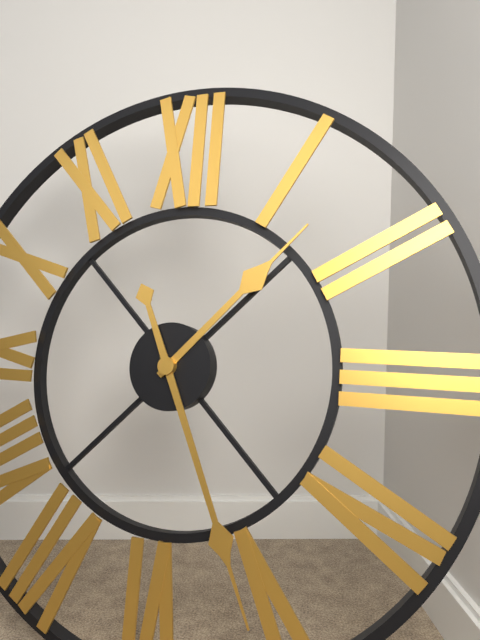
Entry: h=1 m=26
